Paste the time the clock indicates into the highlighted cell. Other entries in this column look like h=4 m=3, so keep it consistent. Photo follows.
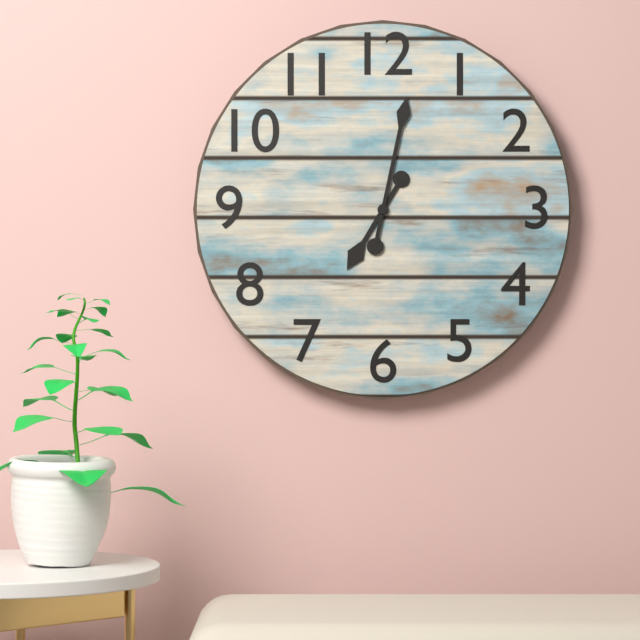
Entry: h=7 m=2
